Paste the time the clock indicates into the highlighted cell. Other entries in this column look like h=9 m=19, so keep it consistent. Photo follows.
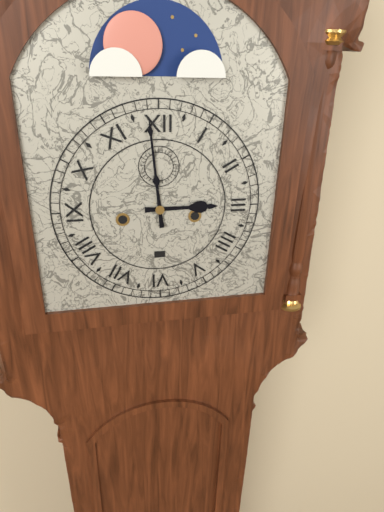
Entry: h=2 m=59
